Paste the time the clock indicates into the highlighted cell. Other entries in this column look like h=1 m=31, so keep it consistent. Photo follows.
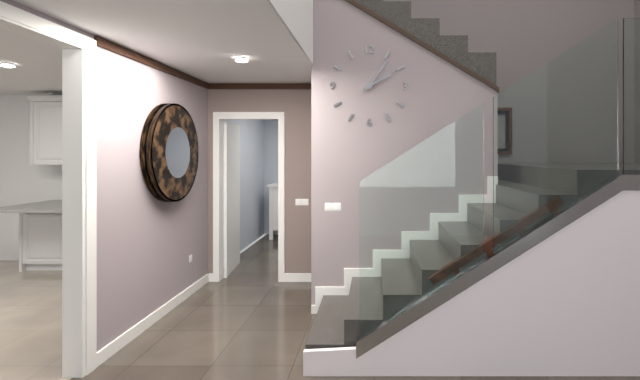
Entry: h=2 m=6
